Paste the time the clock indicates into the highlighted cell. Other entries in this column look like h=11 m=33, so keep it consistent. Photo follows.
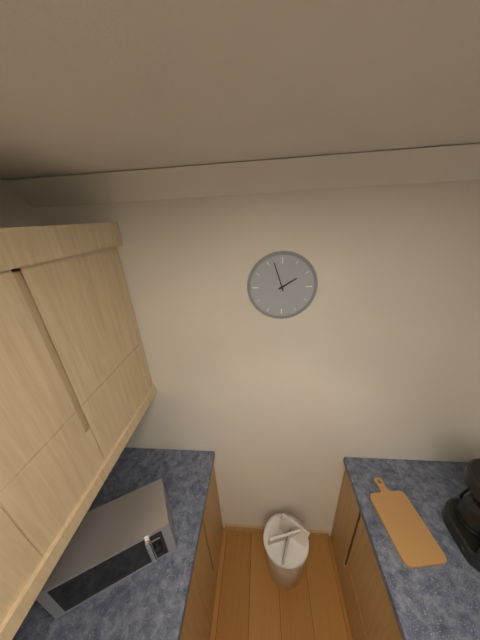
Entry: h=1 m=57
